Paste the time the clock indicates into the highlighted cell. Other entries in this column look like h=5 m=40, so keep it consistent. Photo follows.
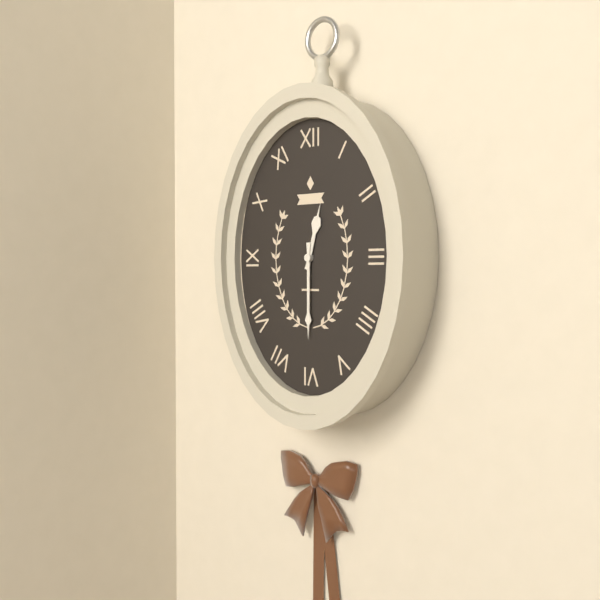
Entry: h=12 m=30
